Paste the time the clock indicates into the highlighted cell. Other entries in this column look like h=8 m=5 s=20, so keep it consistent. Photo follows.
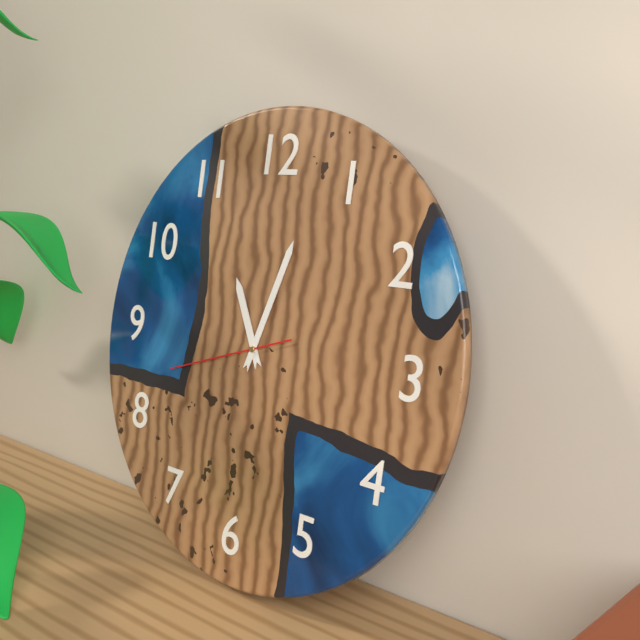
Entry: h=11 m=3 s=42
